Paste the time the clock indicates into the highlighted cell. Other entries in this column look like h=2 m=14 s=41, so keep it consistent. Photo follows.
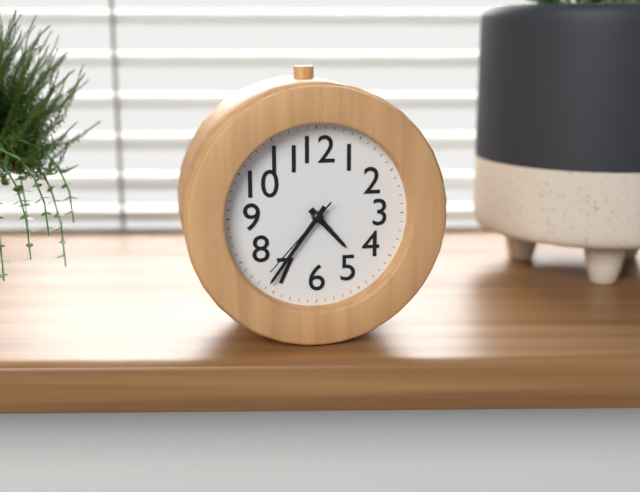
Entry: h=4 m=36 s=37
